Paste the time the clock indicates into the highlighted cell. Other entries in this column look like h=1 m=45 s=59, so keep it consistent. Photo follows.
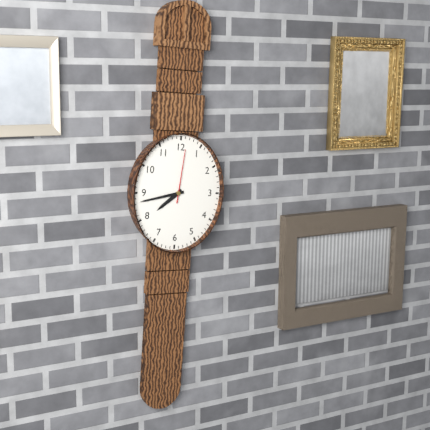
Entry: h=7 m=43 s=1
